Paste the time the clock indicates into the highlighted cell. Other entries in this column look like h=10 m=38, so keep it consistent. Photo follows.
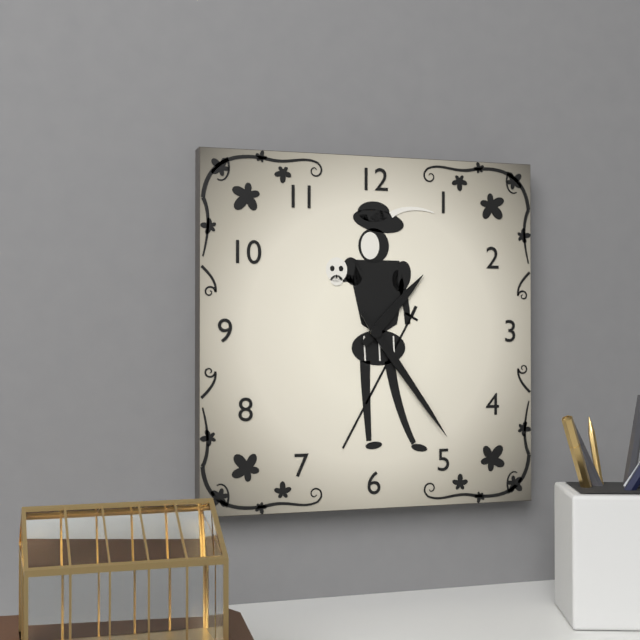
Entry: h=1 m=24
